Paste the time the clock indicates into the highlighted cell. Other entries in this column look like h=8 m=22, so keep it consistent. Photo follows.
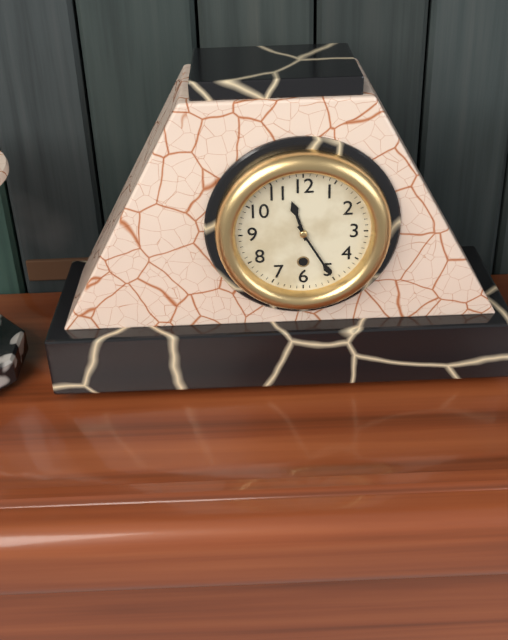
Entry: h=11 m=25
